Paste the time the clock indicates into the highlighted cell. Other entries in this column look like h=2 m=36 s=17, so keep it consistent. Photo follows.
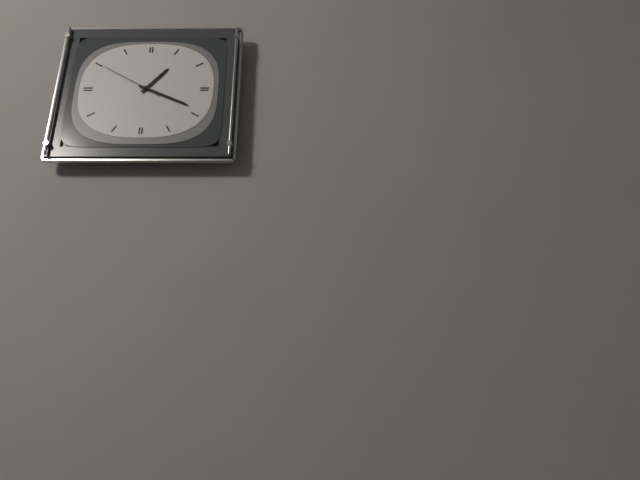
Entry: h=1 m=19 s=50
